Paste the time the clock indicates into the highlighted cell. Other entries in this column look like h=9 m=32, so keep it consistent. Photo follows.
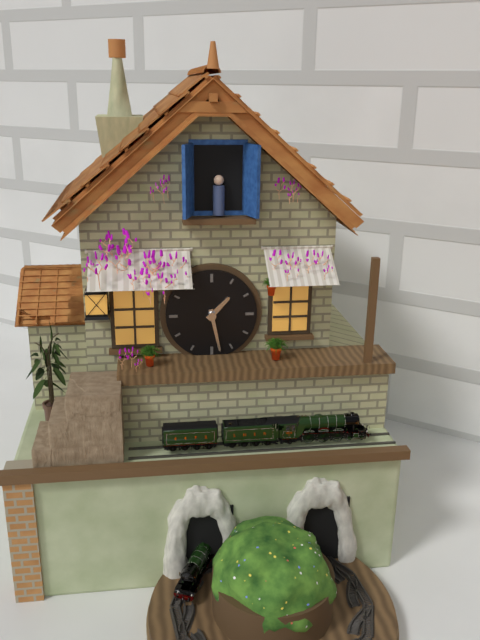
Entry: h=1 m=28
